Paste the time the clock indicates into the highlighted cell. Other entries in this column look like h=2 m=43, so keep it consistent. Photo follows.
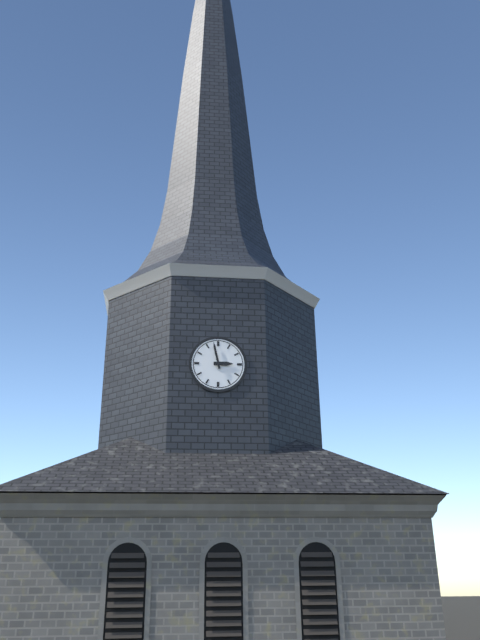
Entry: h=2 m=58
